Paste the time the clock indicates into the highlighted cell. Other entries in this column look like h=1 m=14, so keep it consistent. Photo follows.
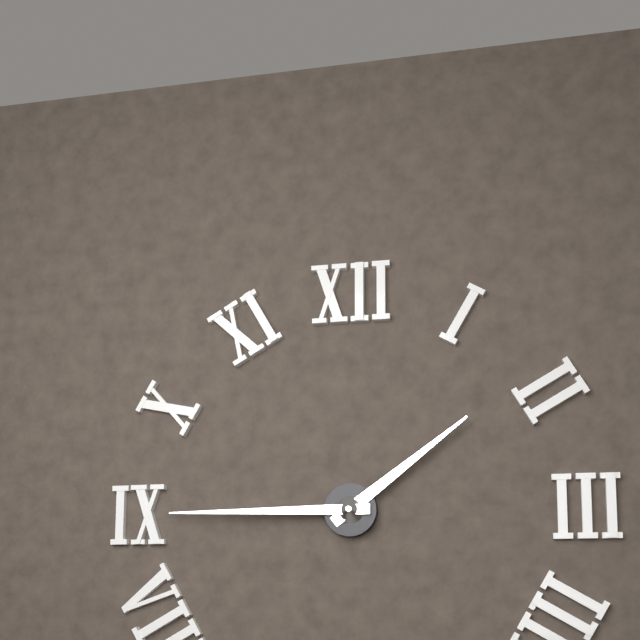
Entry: h=1 m=45
